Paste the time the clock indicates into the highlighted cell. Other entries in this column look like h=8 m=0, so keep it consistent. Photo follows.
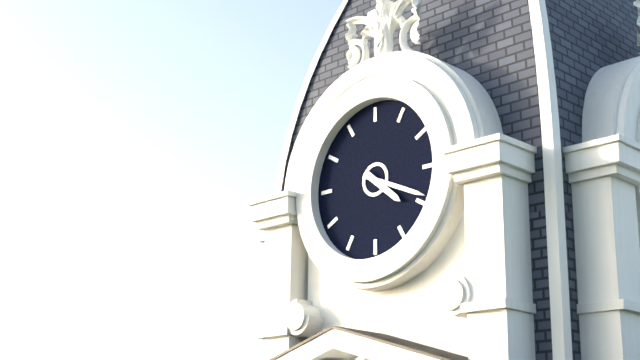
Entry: h=4 m=19
